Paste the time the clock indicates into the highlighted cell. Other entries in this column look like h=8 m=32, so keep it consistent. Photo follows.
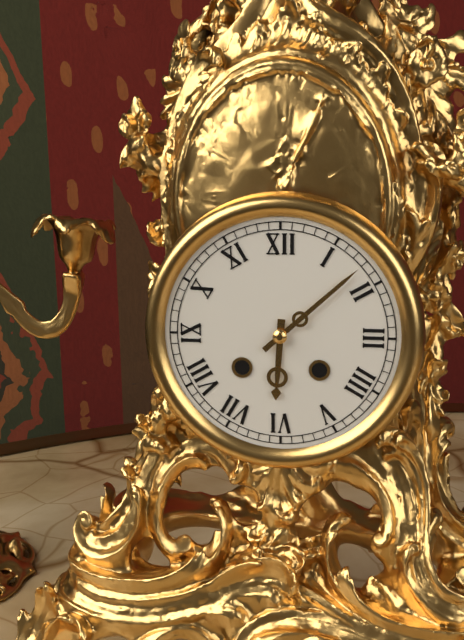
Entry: h=6 m=8
